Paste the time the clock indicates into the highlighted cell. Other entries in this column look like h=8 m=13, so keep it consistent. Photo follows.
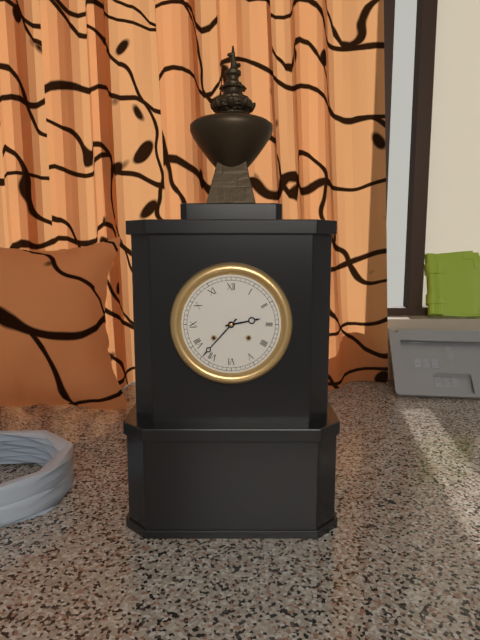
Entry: h=2 m=37
